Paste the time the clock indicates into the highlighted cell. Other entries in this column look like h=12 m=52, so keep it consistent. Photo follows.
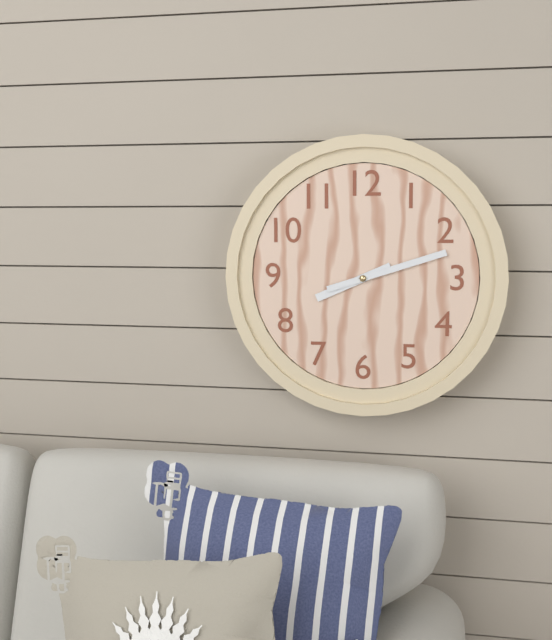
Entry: h=8 m=12
